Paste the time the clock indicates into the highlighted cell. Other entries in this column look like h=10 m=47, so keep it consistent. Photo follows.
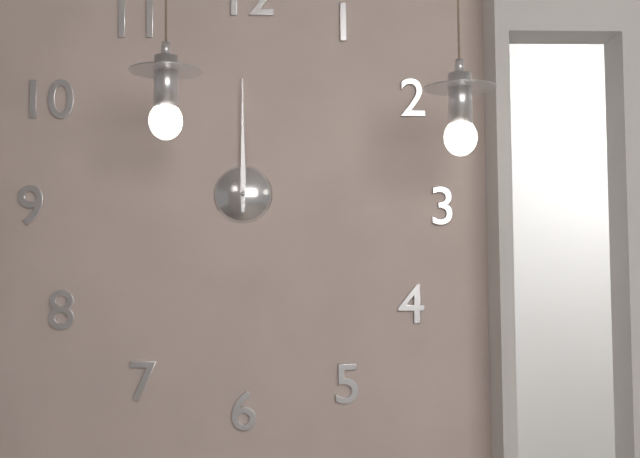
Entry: h=12 m=0
